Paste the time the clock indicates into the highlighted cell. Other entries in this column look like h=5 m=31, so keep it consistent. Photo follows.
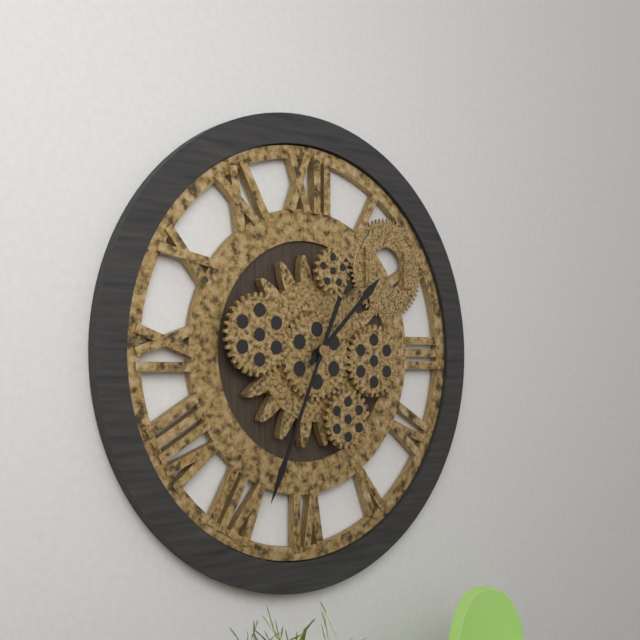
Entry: h=1 m=34
